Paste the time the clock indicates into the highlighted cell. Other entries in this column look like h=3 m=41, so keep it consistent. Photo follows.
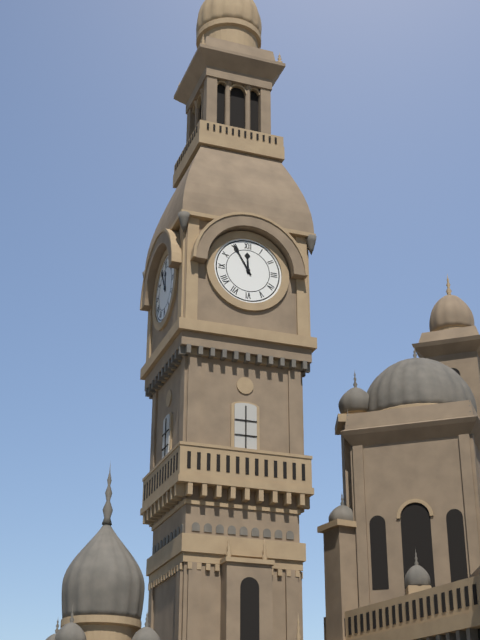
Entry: h=11 m=55
